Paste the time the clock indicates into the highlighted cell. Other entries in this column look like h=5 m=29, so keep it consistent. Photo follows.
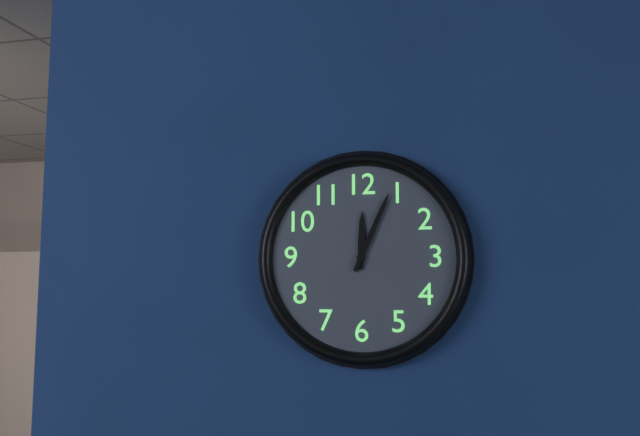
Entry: h=12 m=4
